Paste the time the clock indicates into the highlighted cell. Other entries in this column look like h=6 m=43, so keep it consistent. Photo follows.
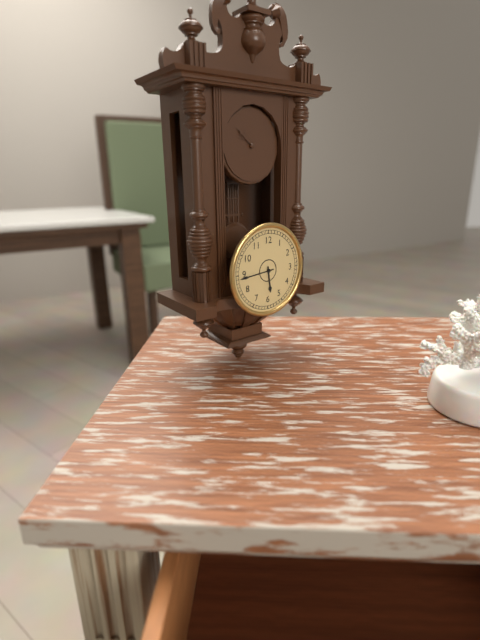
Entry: h=5 m=44
